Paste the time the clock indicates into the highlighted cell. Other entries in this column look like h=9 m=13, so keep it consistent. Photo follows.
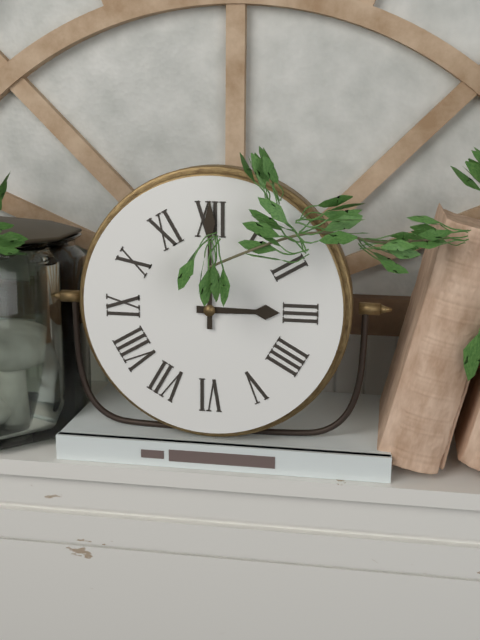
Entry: h=3 m=0
